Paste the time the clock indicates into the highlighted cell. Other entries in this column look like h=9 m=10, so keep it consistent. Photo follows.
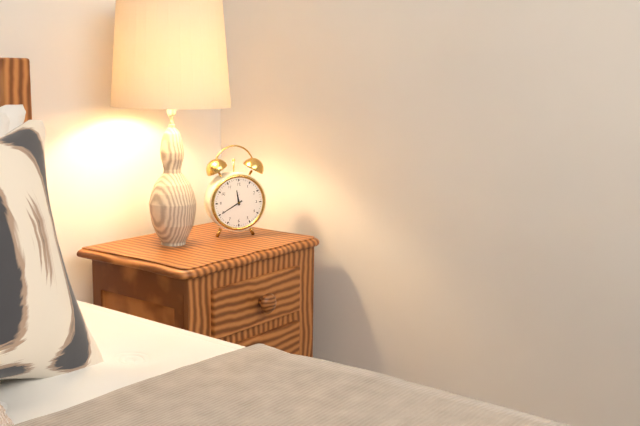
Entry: h=11 m=40
